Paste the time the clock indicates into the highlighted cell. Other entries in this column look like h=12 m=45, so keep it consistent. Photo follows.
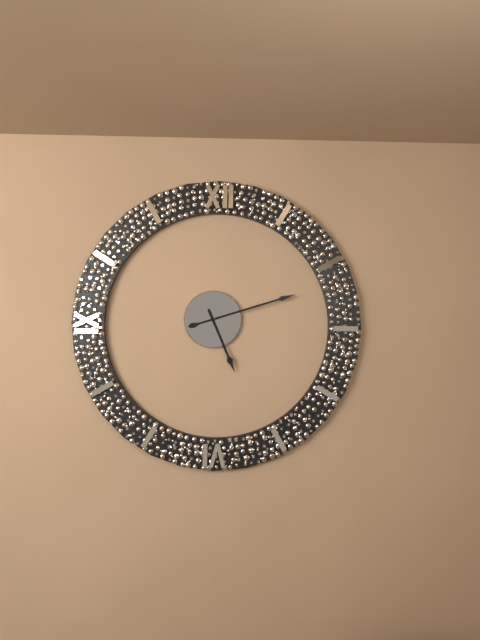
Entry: h=5 m=12
